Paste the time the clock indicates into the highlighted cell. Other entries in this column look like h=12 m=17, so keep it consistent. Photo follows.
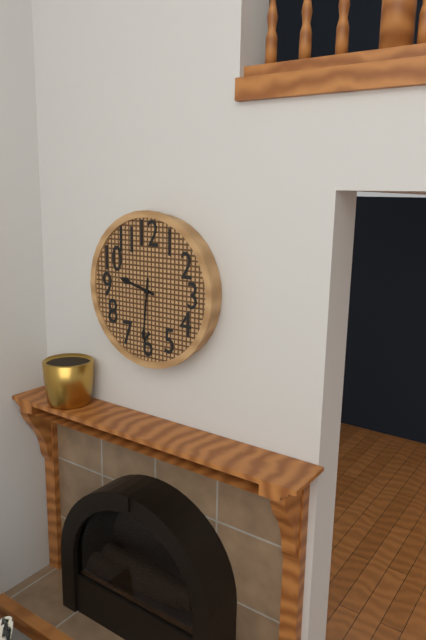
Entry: h=9 m=31
